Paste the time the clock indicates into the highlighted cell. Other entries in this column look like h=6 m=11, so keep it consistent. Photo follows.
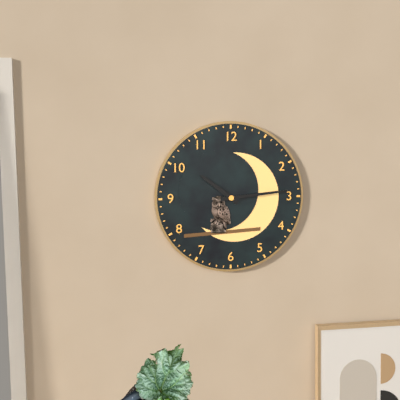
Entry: h=10 m=14
